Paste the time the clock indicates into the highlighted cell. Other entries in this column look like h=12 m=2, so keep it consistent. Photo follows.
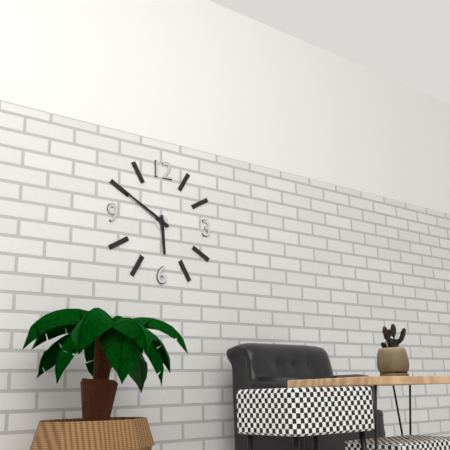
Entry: h=5 m=50
